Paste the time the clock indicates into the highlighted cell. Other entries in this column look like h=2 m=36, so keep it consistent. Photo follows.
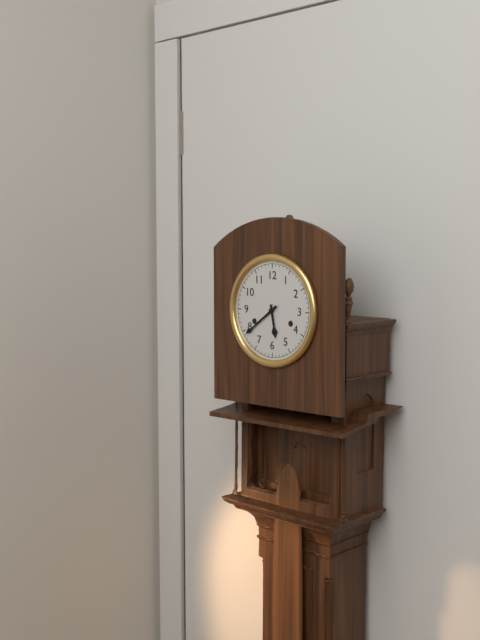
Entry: h=5 m=39
